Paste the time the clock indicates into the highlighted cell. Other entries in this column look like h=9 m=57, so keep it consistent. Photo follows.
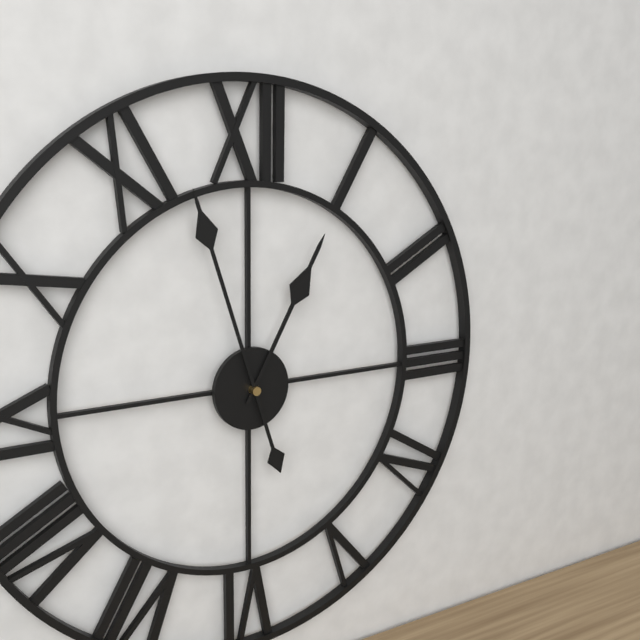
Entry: h=12 m=57
